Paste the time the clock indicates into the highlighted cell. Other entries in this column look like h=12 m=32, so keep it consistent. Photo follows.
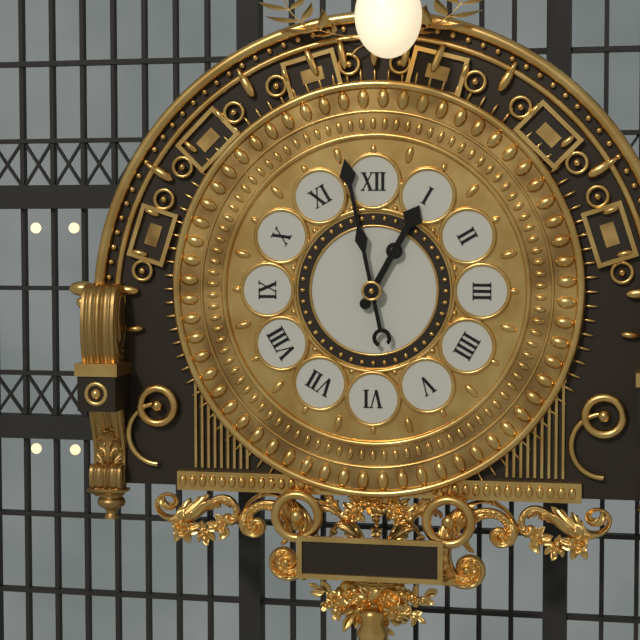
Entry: h=12 m=58
